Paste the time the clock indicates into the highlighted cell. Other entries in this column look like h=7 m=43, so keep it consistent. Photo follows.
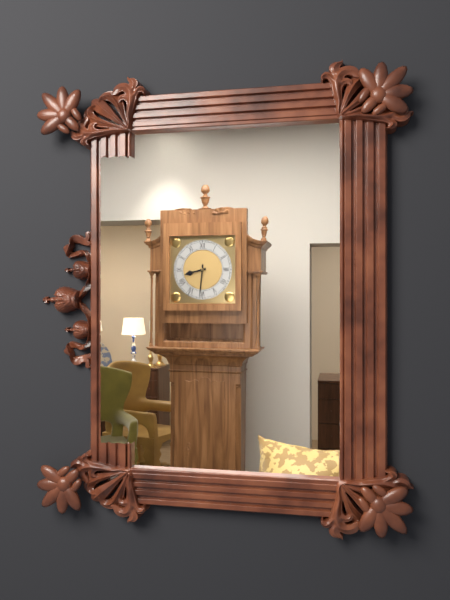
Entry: h=8 m=31
